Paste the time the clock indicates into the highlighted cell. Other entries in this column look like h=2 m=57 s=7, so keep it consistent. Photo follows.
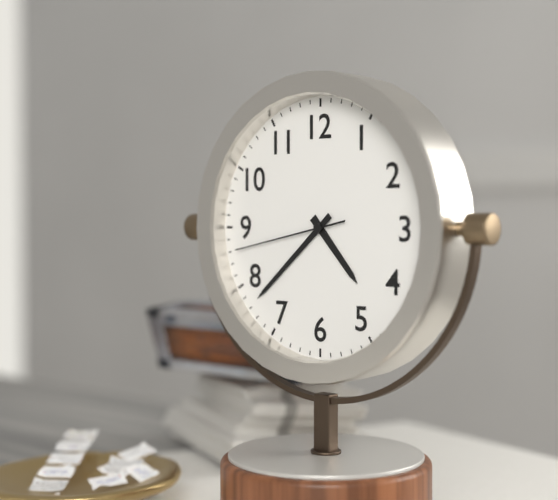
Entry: h=4 m=38 s=43
